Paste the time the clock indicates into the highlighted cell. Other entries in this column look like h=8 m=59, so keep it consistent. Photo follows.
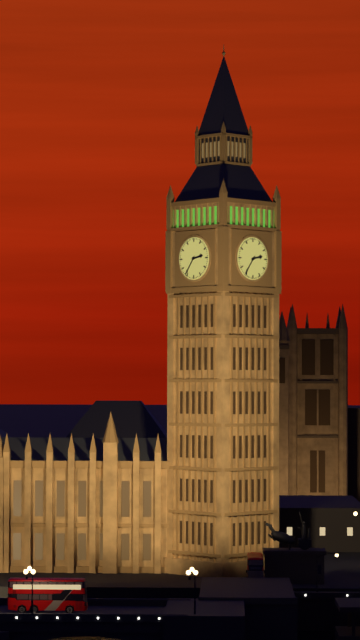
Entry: h=2 m=36
